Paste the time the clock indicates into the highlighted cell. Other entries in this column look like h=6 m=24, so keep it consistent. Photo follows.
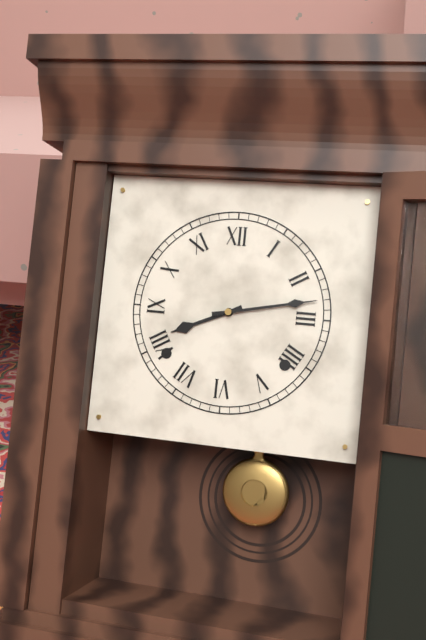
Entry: h=8 m=13
